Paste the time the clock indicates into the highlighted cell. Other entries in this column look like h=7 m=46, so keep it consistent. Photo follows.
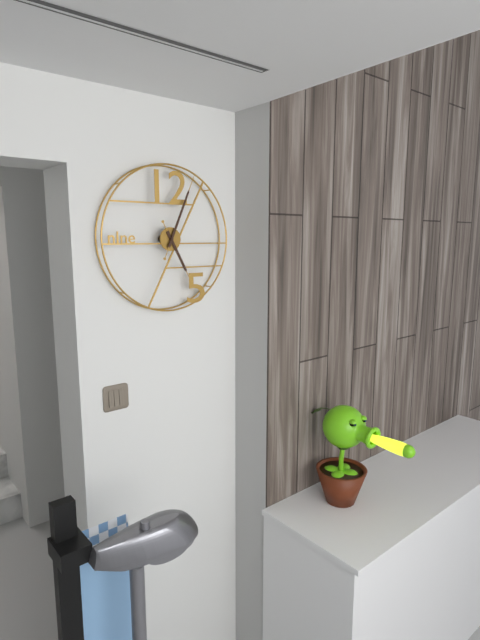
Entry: h=5 m=4
